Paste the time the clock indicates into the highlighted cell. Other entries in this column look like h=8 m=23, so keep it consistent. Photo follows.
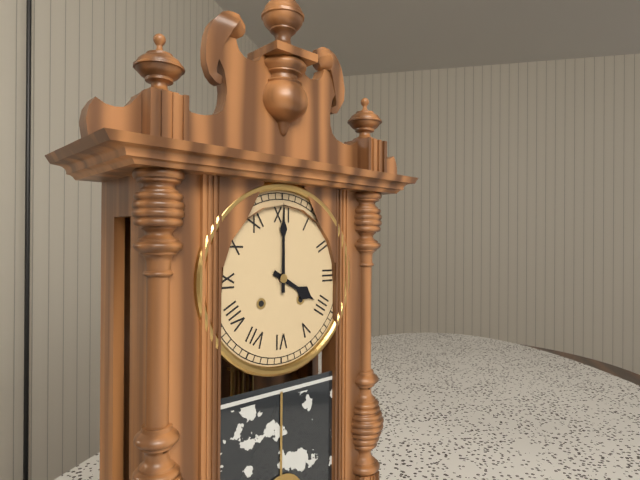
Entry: h=4 m=0
